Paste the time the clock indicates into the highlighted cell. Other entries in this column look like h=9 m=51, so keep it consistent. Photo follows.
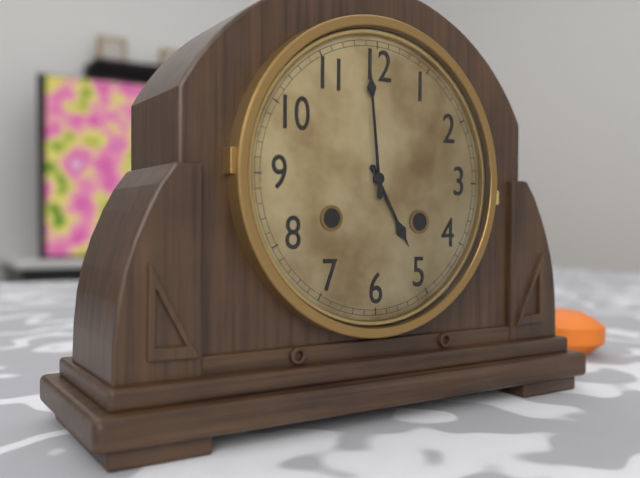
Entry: h=4 m=59
